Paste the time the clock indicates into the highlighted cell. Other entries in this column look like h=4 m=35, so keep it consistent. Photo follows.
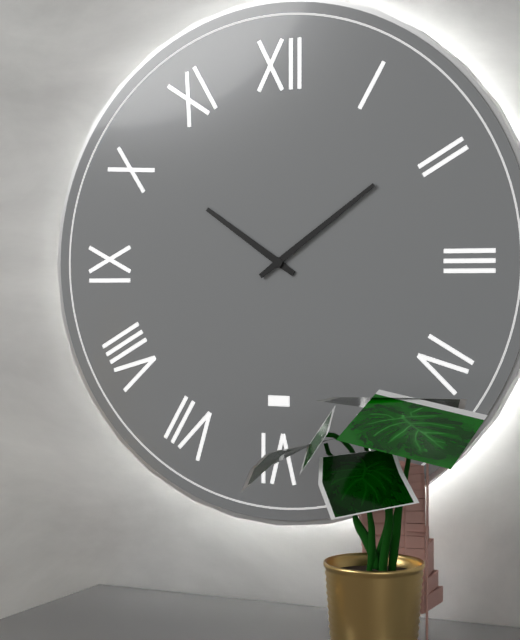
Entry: h=10 m=9
